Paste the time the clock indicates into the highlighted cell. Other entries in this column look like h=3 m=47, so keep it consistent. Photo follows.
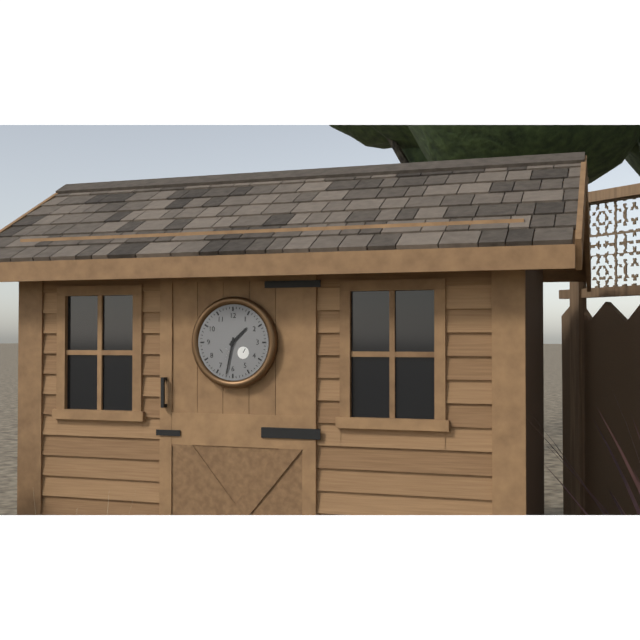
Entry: h=1 m=32
